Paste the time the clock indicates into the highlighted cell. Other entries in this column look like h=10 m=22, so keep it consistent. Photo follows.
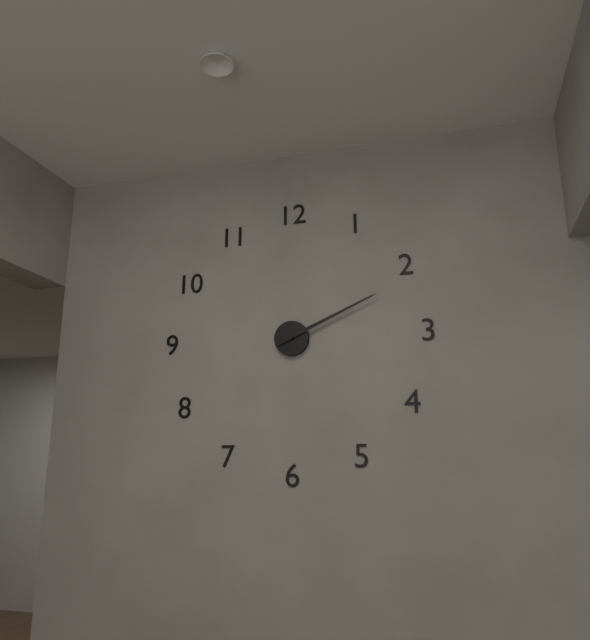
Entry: h=2 m=11
